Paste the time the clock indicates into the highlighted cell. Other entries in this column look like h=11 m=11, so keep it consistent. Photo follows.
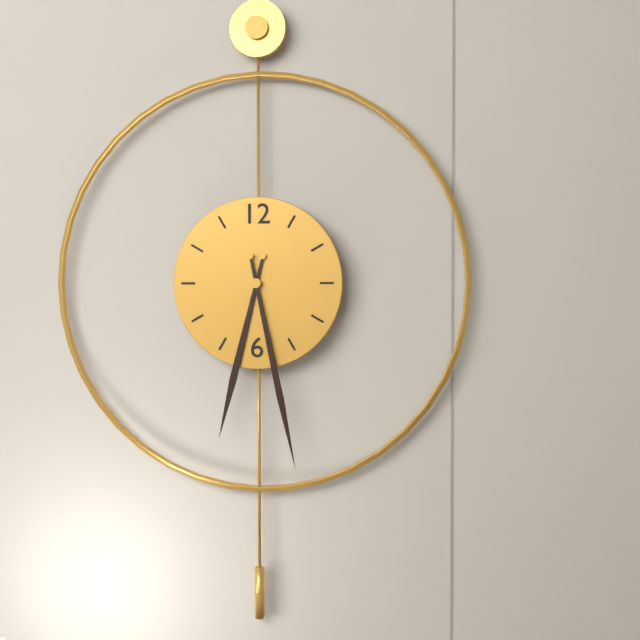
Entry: h=6 m=28
